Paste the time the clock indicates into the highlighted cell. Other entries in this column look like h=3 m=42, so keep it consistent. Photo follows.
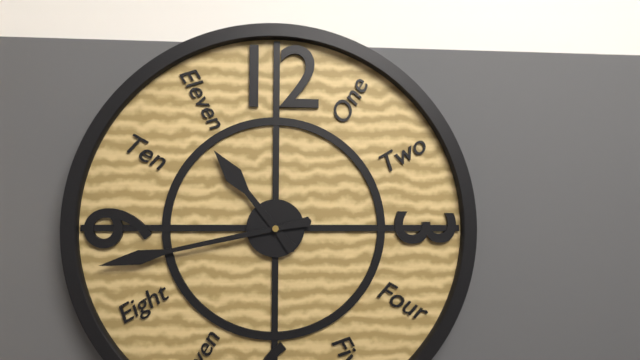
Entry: h=10 m=43
